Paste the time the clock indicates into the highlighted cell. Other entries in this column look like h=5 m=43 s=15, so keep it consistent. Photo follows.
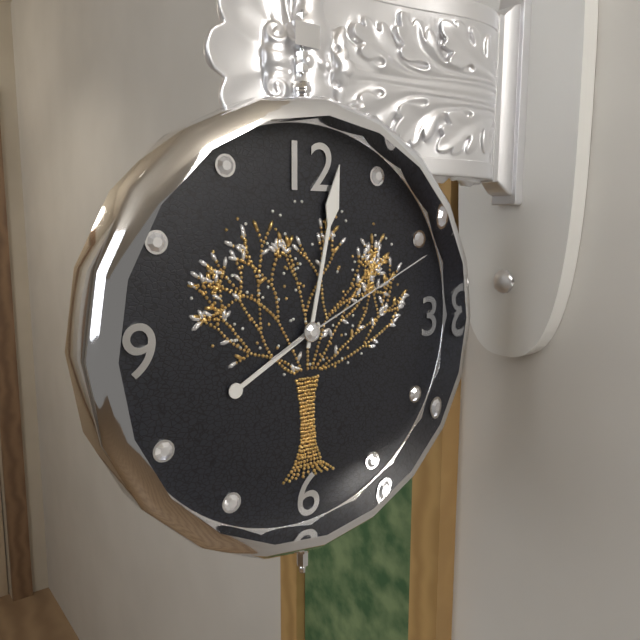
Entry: h=8 m=2 s=11
